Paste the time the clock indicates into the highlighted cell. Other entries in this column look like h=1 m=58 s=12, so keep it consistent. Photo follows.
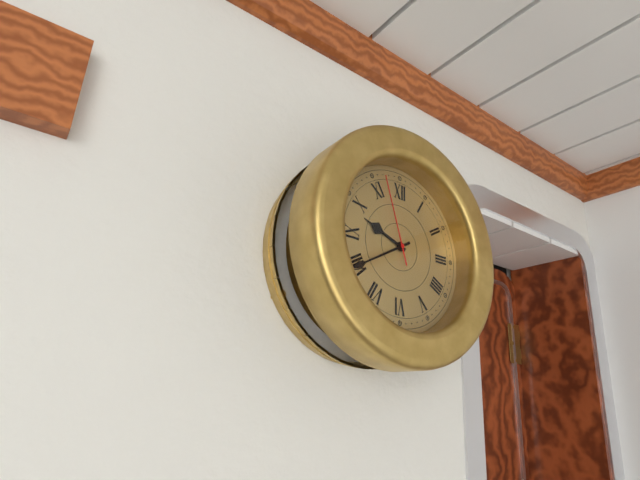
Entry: h=9 m=40 s=57
